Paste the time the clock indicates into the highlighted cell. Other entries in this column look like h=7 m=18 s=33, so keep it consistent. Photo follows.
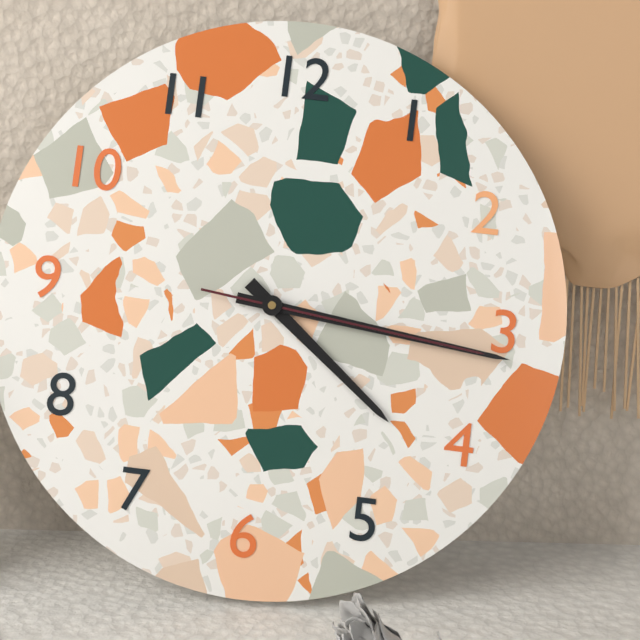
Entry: h=4 m=16 s=16
